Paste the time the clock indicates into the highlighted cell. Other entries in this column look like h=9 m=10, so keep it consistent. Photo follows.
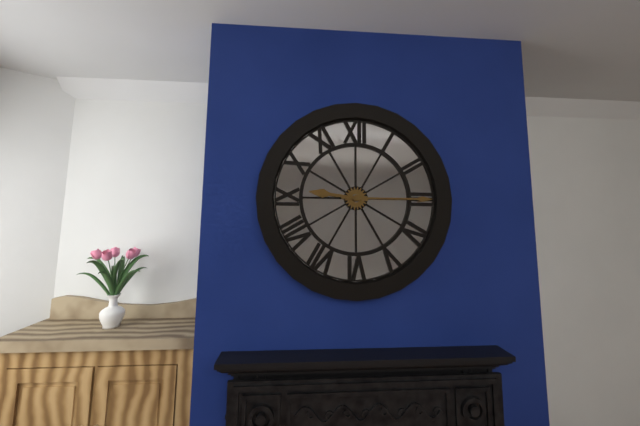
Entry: h=9 m=15
